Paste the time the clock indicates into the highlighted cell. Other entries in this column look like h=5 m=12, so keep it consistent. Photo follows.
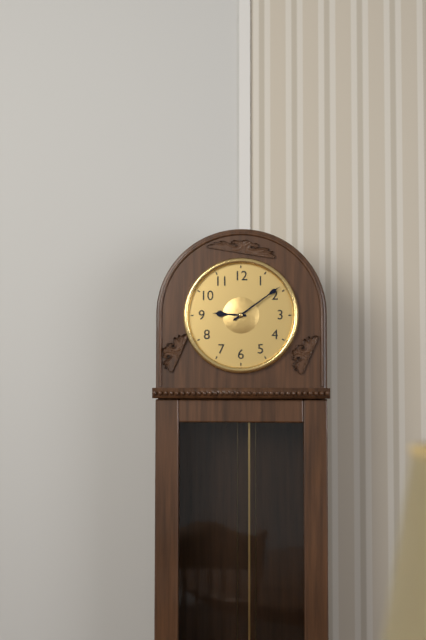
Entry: h=9 m=9
